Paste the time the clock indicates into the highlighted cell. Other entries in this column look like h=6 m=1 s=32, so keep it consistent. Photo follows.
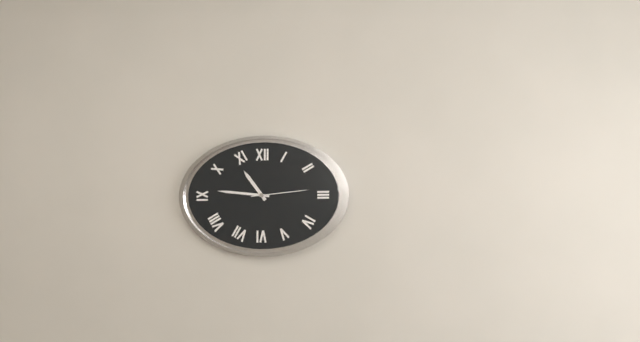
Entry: h=10 m=46 s=14
